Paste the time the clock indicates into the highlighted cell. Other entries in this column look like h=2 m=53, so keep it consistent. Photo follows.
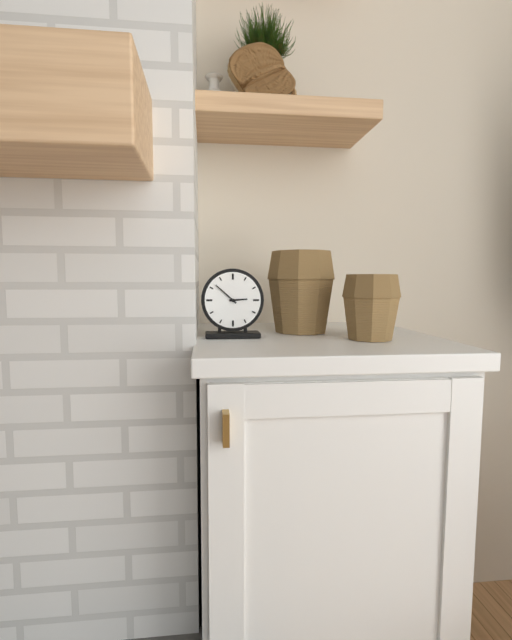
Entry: h=2 m=52
